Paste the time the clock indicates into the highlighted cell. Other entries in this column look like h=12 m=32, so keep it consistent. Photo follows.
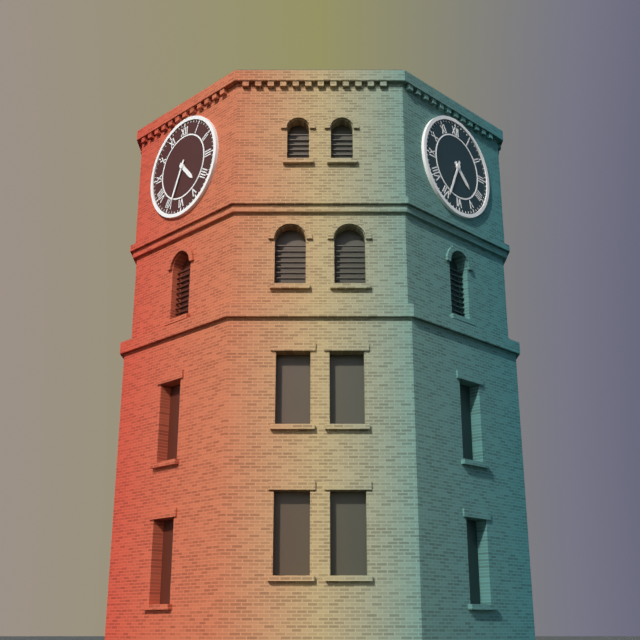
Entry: h=4 m=34
